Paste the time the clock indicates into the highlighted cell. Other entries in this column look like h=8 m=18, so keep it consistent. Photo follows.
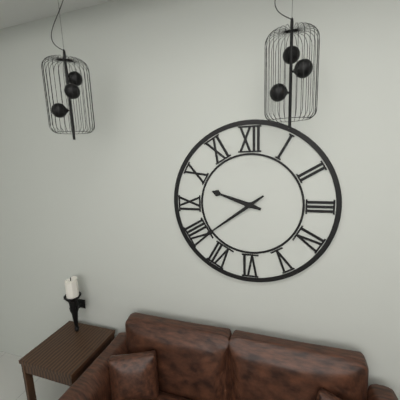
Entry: h=9 m=39
